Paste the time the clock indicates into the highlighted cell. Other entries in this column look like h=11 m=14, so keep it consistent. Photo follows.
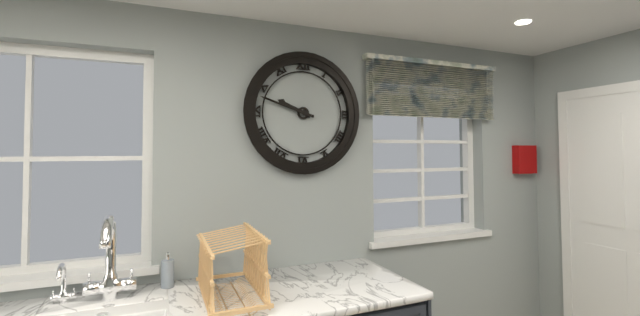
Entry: h=9 m=48
